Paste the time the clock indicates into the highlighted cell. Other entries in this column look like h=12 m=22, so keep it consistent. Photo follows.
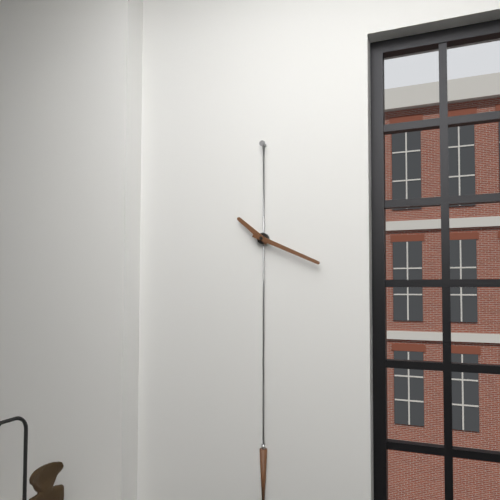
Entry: h=10 m=19
